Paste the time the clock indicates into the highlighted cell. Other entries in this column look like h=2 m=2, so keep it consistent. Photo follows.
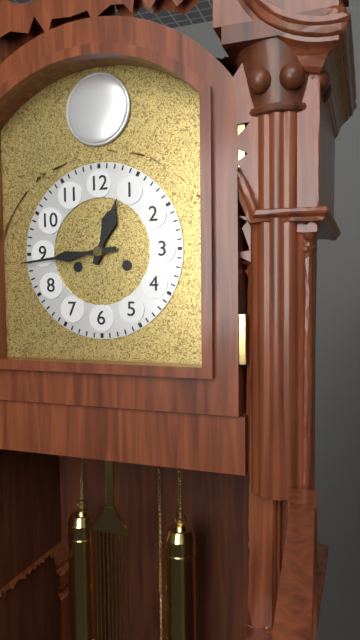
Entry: h=12 m=44
